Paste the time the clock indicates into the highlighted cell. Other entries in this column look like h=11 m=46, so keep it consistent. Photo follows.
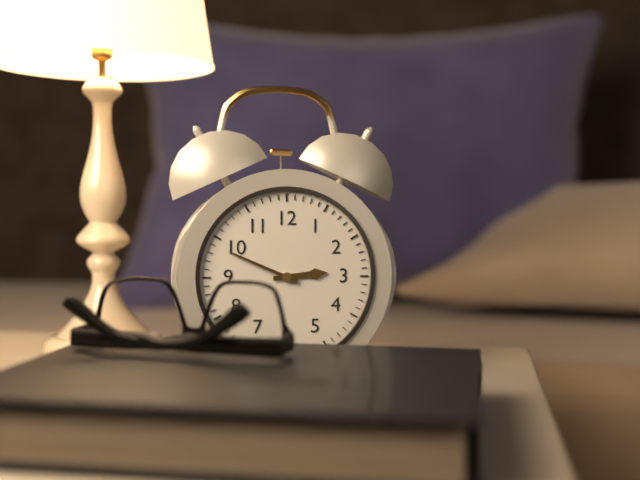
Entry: h=2 m=49
